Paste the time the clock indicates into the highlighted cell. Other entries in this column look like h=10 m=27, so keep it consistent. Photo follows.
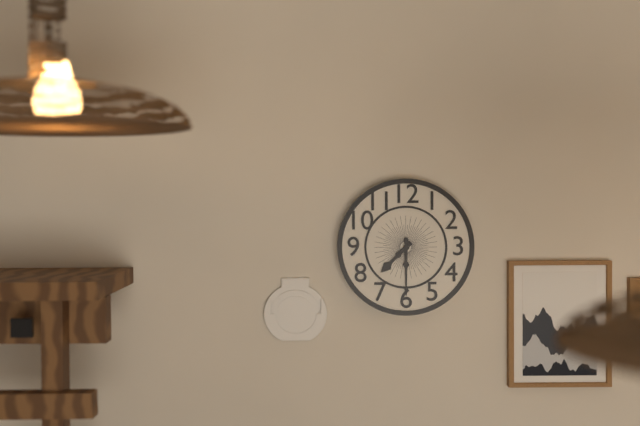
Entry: h=7 m=30
